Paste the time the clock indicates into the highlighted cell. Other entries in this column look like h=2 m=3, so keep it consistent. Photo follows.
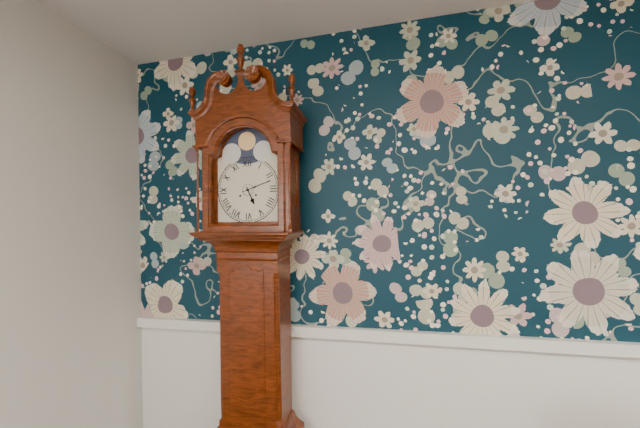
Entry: h=5 m=12
